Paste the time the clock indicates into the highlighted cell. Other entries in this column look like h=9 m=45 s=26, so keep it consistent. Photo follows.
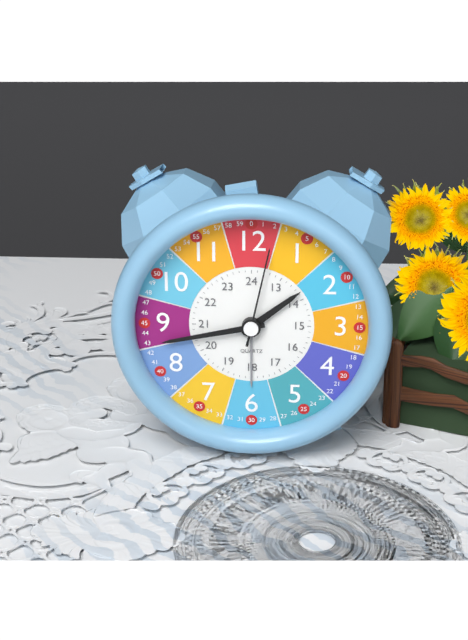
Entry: h=1 m=43 s=2
